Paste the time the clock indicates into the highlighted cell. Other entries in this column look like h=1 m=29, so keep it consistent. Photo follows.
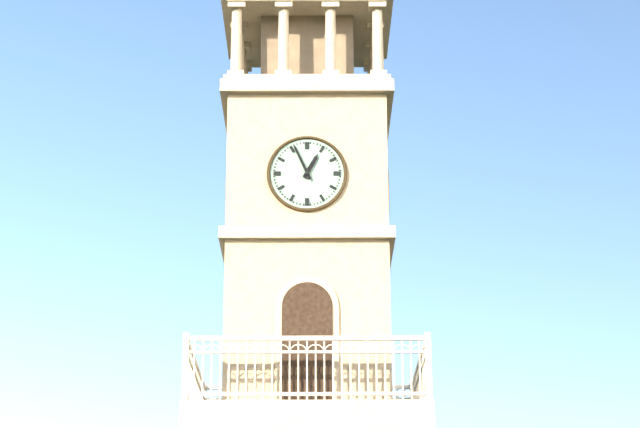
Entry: h=12 m=56
